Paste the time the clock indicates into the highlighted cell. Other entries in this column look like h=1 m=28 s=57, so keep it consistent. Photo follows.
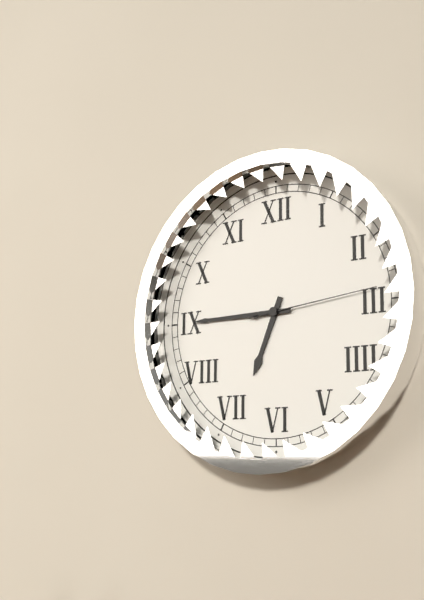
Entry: h=6 m=45 s=14
